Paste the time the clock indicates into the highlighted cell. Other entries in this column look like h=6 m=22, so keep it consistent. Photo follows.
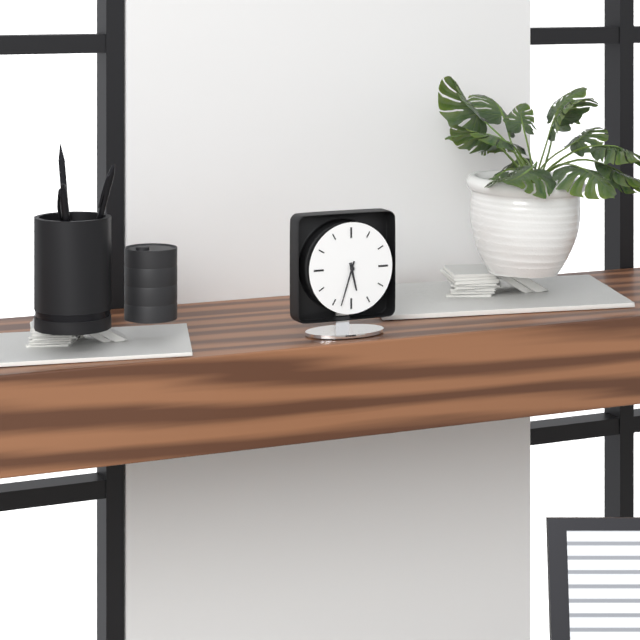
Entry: h=5 m=33
